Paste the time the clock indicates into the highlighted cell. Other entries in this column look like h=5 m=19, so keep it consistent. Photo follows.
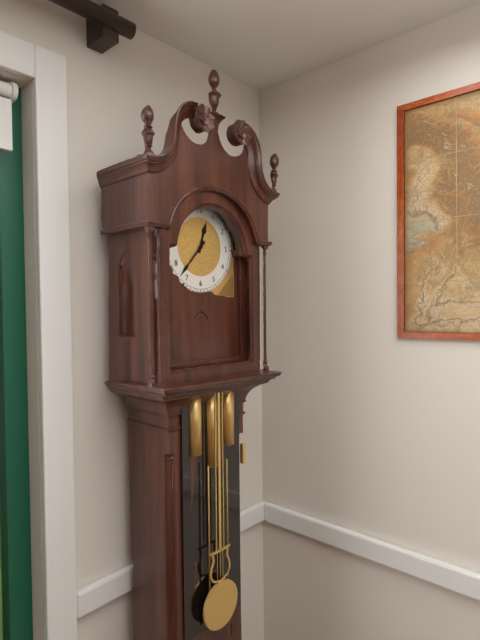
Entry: h=12 m=37
